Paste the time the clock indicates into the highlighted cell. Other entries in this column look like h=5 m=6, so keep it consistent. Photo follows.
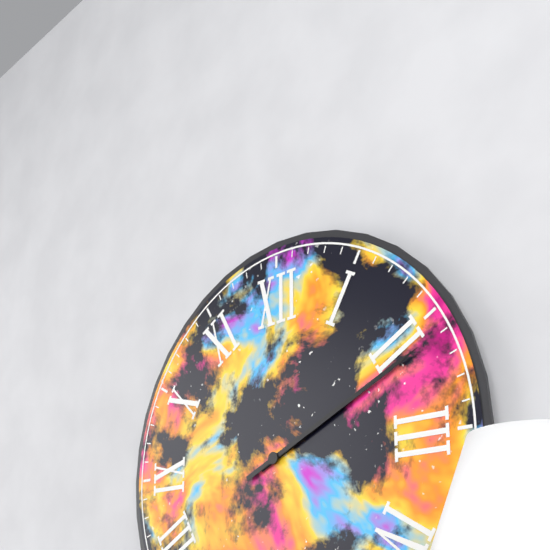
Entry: h=2 m=11
